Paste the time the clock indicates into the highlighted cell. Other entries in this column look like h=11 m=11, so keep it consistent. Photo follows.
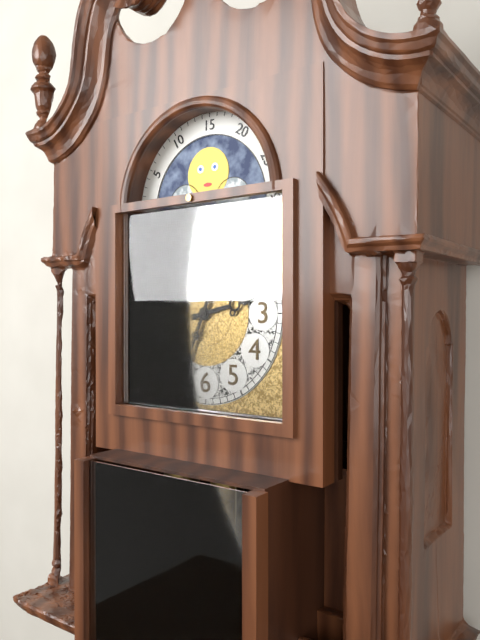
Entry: h=2 m=34
